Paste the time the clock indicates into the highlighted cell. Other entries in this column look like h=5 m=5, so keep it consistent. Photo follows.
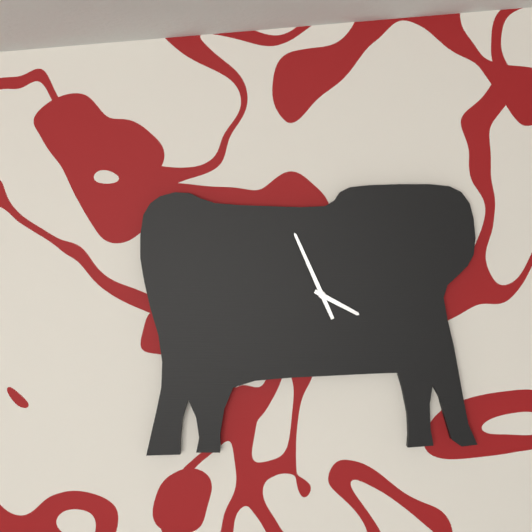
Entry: h=3 m=56
